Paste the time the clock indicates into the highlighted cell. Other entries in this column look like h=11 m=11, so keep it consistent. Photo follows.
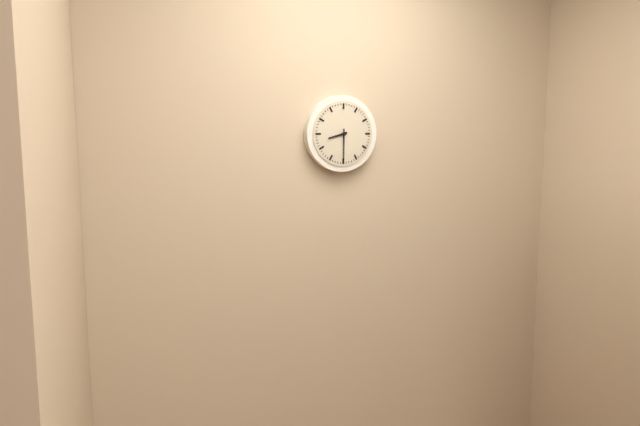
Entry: h=8 m=30
